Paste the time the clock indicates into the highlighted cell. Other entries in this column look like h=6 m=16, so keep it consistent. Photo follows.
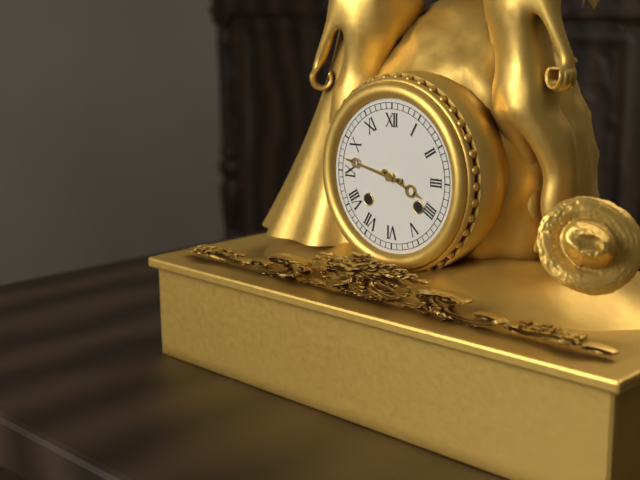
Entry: h=3 m=47
